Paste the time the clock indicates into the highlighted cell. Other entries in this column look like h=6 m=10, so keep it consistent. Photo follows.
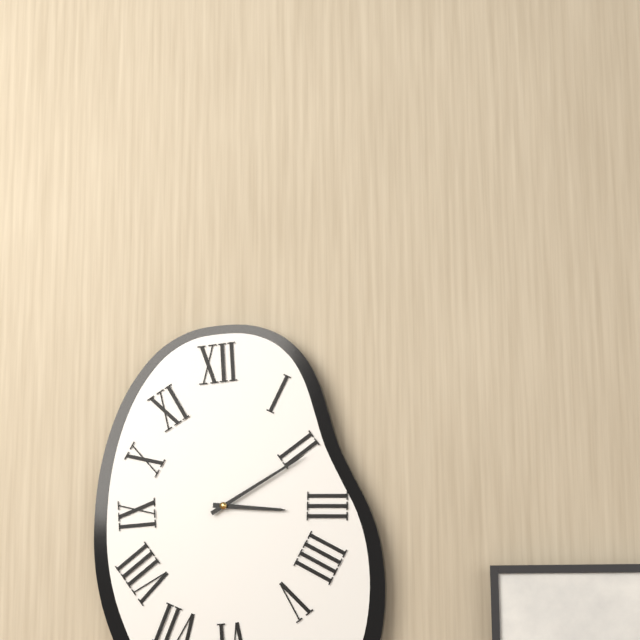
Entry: h=3 m=10
